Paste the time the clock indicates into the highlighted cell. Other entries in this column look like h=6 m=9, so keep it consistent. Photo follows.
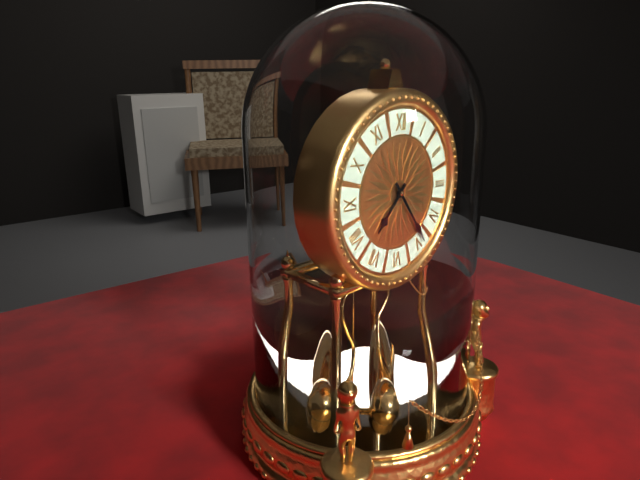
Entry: h=7 m=24
